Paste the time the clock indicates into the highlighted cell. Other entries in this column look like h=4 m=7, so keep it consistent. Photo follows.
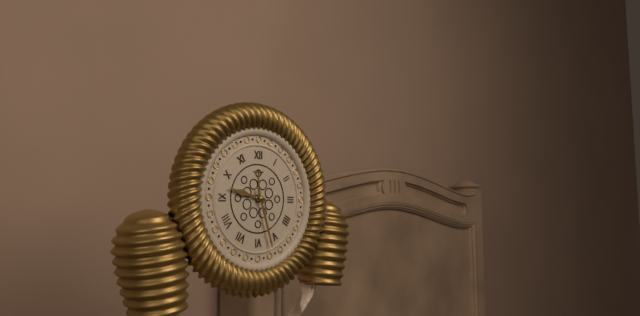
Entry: h=9 m=27
